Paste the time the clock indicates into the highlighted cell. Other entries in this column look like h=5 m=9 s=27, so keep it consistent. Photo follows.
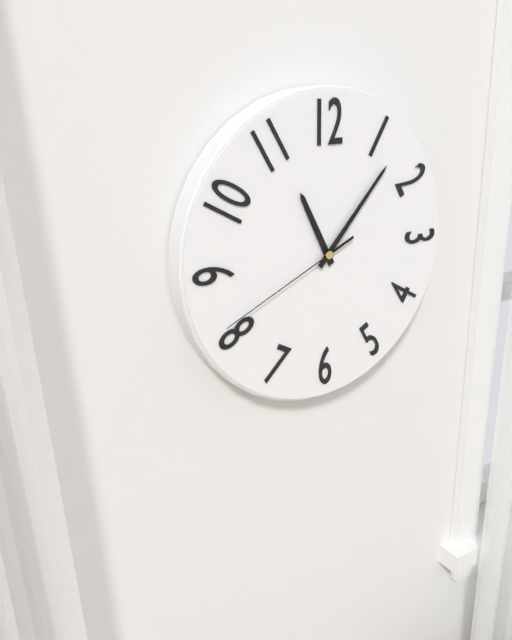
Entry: h=11 m=7 s=41
